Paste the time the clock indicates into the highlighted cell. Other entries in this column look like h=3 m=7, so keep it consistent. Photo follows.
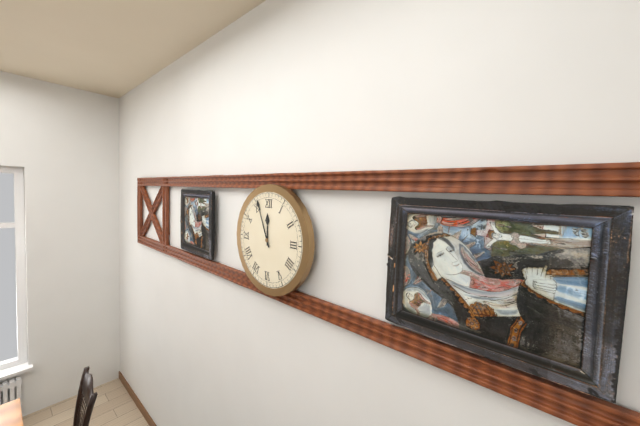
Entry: h=11 m=56
